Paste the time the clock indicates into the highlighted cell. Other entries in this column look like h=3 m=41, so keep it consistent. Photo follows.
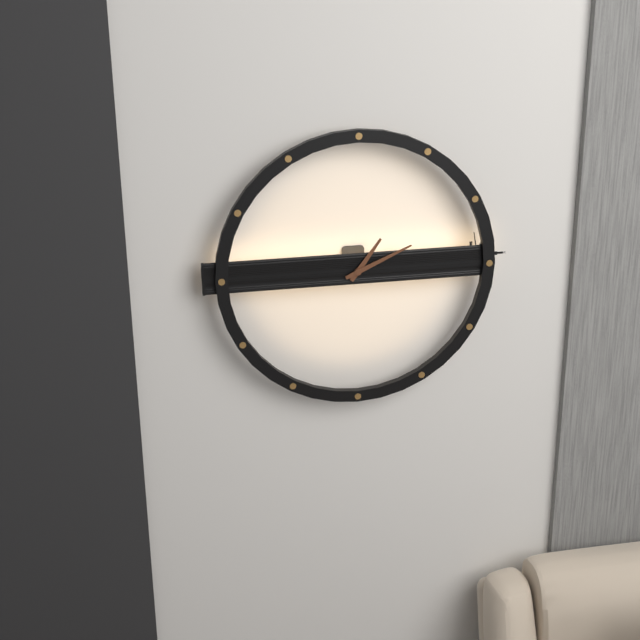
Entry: h=1 m=11
